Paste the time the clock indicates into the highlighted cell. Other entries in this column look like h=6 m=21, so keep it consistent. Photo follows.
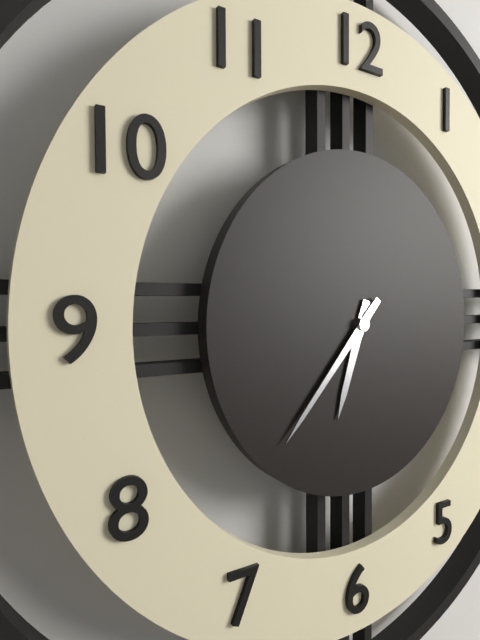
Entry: h=6 m=37
